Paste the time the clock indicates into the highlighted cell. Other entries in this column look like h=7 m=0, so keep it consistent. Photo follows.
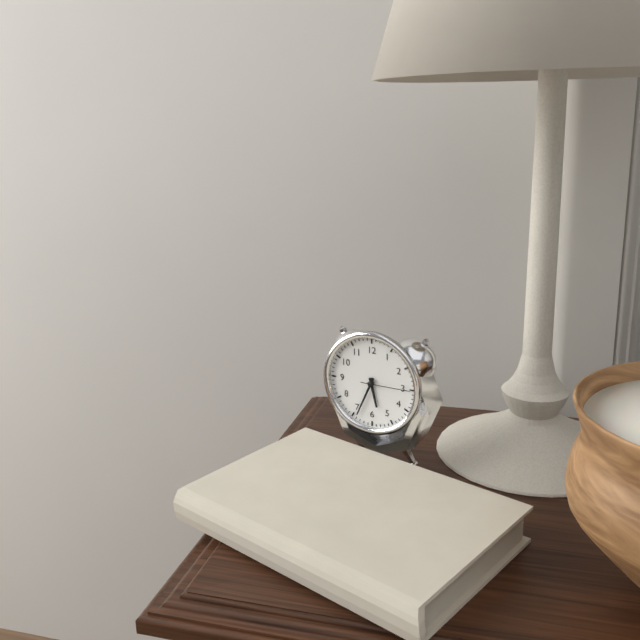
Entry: h=5 m=34
